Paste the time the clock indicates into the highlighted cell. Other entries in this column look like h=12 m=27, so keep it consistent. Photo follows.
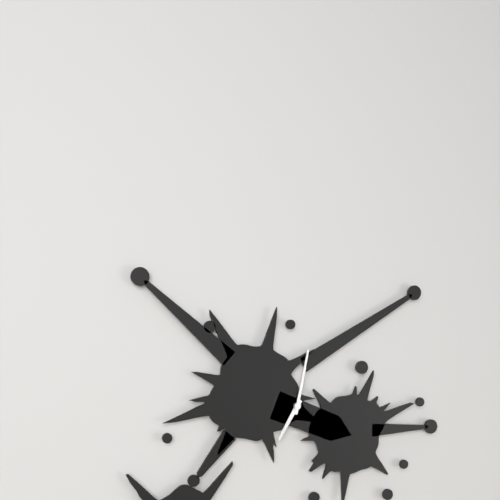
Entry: h=7 m=2
